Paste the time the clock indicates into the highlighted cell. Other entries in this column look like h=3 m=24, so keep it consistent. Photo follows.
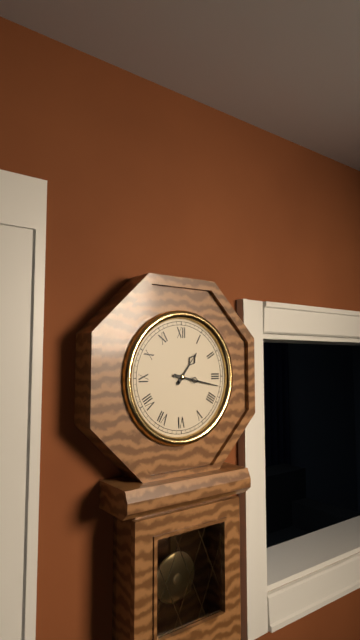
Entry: h=1 m=17
